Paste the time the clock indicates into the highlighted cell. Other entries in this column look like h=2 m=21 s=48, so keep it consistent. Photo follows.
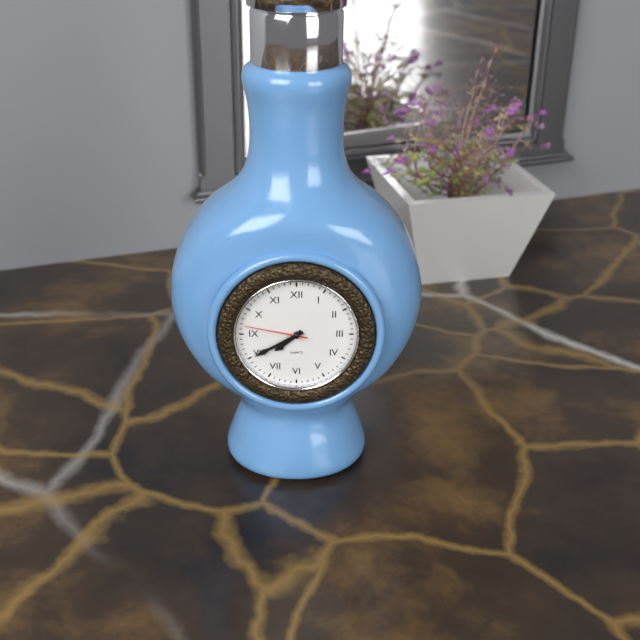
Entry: h=7 m=40 s=47
